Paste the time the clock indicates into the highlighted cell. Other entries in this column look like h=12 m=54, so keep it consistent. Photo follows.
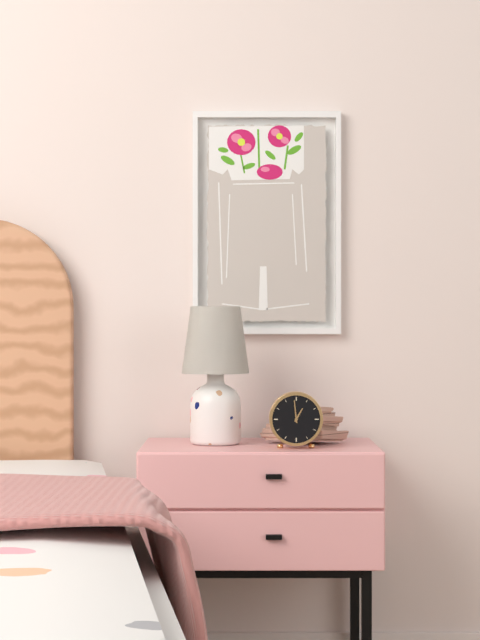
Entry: h=12 m=59
